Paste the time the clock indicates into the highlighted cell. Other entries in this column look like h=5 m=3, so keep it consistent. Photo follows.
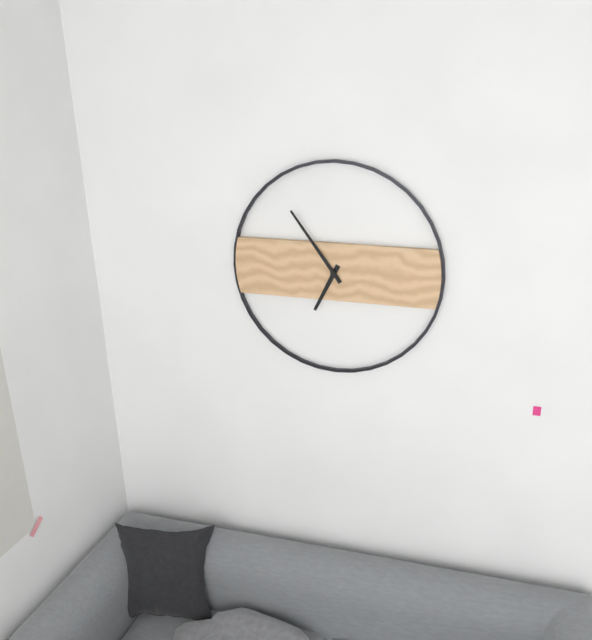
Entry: h=6 m=54
